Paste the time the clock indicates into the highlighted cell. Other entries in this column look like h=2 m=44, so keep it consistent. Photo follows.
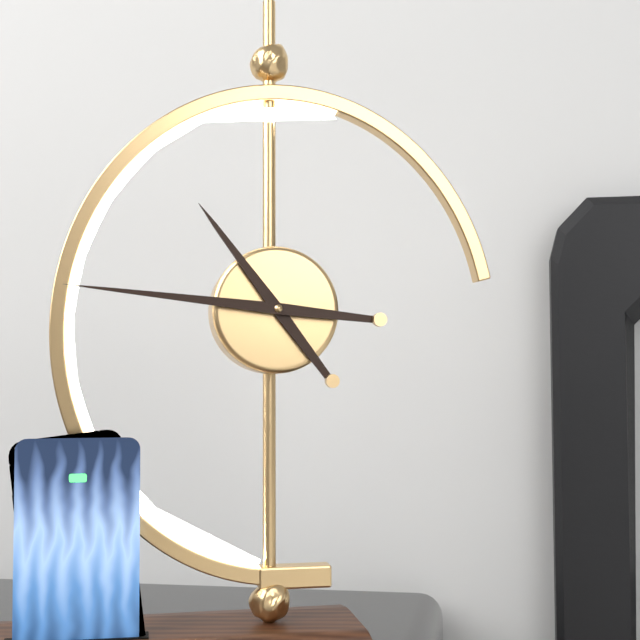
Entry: h=10 m=46
